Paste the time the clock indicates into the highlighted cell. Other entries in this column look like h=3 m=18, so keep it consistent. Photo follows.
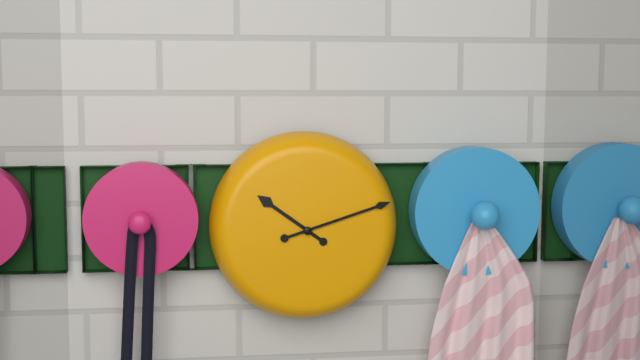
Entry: h=10 m=12
